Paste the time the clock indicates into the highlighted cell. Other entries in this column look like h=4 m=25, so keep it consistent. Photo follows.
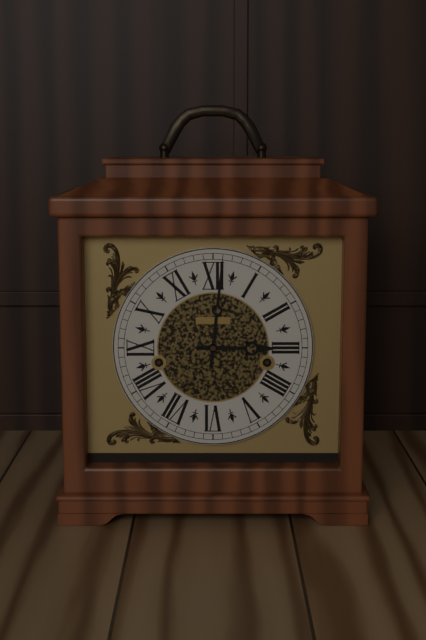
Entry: h=3 m=1
